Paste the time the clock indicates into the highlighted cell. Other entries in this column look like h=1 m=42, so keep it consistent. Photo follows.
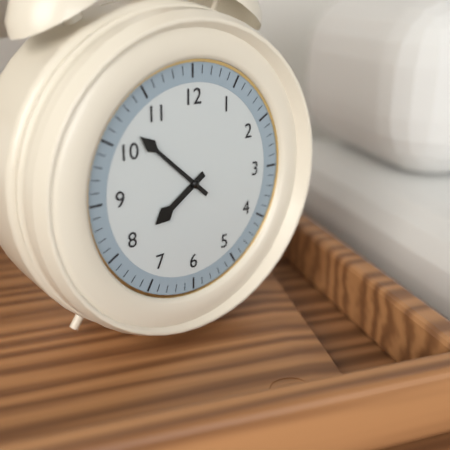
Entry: h=7 m=52
